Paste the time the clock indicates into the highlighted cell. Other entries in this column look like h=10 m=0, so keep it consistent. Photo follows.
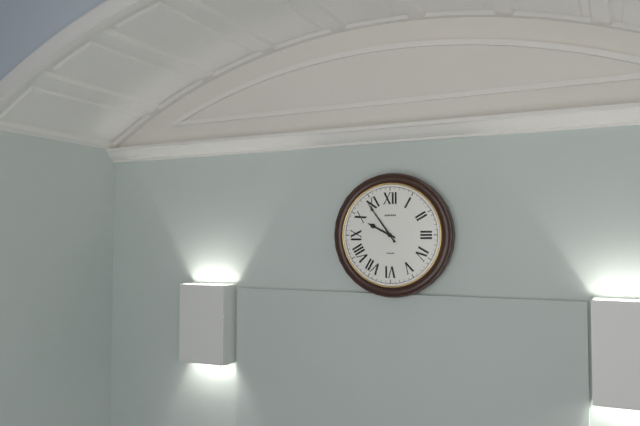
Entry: h=9 m=54
